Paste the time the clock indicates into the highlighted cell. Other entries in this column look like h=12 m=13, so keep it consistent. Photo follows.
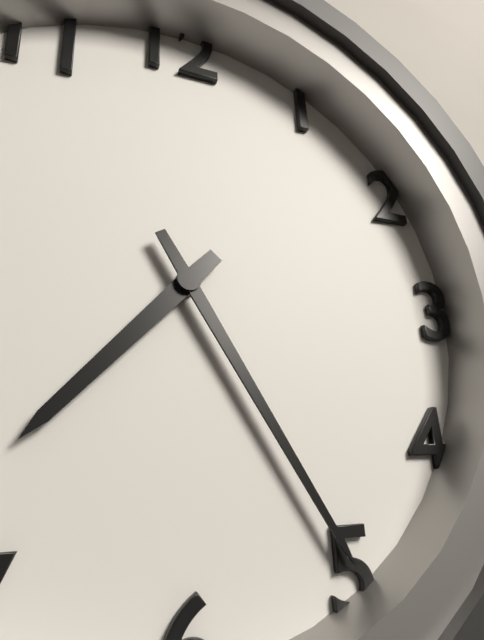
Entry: h=7 m=25
